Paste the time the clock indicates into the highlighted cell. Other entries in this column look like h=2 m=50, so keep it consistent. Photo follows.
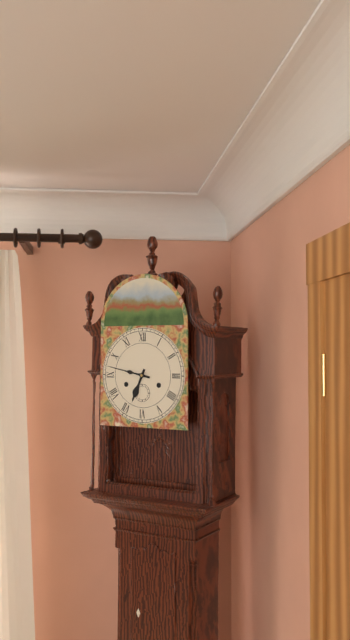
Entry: h=6 m=47
